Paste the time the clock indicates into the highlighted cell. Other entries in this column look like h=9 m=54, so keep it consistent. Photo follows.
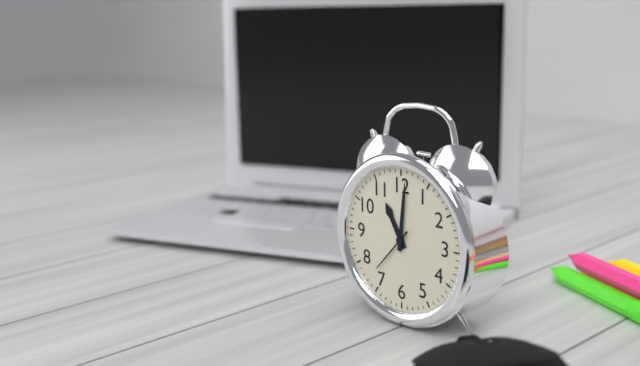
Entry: h=11 m=1
